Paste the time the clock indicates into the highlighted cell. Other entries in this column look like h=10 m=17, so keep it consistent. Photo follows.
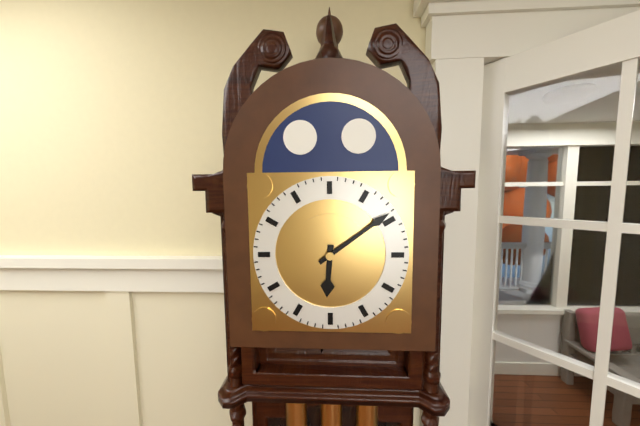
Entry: h=6 m=9
